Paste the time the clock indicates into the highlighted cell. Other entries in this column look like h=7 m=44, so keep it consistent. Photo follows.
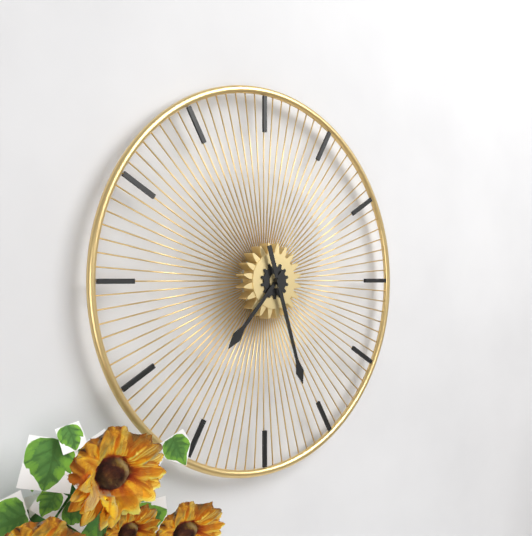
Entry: h=7 m=27
